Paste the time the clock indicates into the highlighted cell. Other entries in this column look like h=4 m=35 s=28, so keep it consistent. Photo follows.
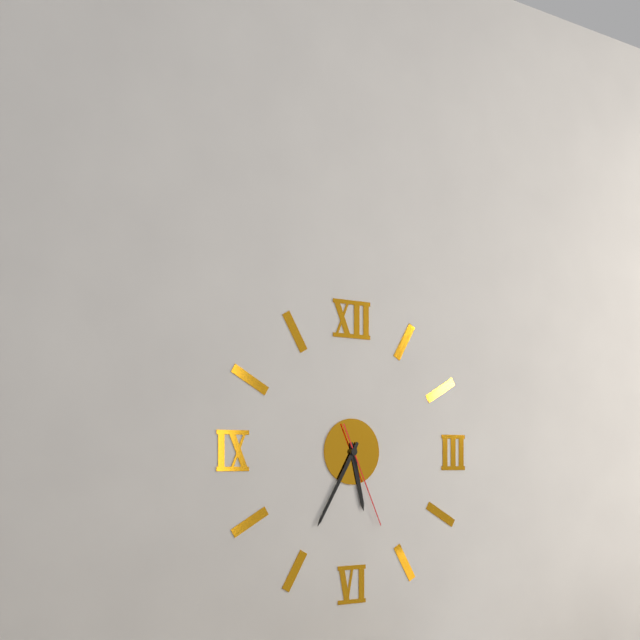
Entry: h=5 m=35 s=26
